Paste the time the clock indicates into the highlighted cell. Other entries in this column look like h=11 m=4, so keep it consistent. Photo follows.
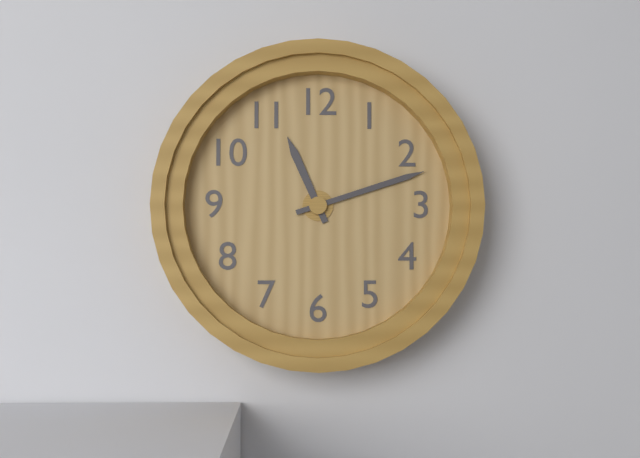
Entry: h=11 m=12
